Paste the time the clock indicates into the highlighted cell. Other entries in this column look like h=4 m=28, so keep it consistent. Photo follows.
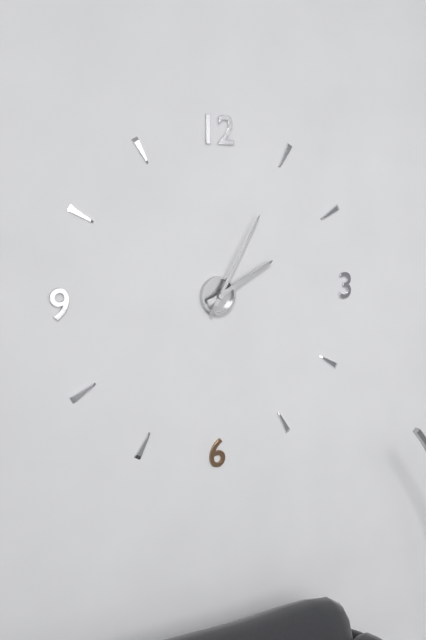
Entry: h=2 m=5
